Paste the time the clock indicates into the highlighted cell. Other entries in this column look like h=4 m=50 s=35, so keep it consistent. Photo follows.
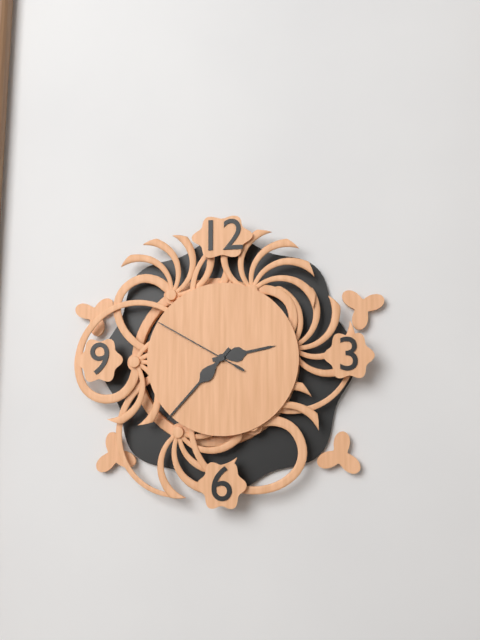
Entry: h=2 m=37 s=50
